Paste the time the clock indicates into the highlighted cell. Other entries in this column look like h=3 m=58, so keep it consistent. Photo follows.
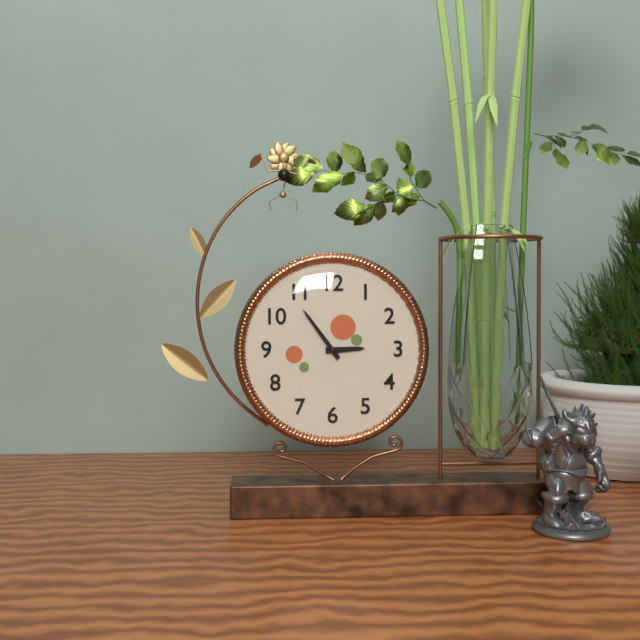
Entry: h=2 m=54
